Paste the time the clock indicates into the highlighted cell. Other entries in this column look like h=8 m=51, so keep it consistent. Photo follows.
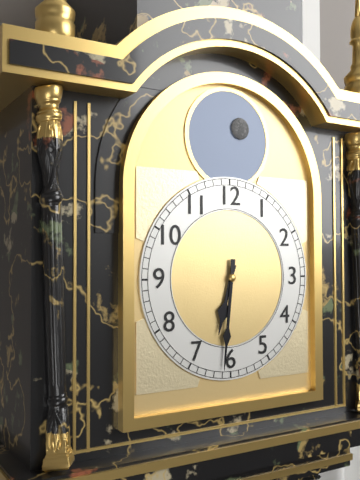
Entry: h=6 m=31
